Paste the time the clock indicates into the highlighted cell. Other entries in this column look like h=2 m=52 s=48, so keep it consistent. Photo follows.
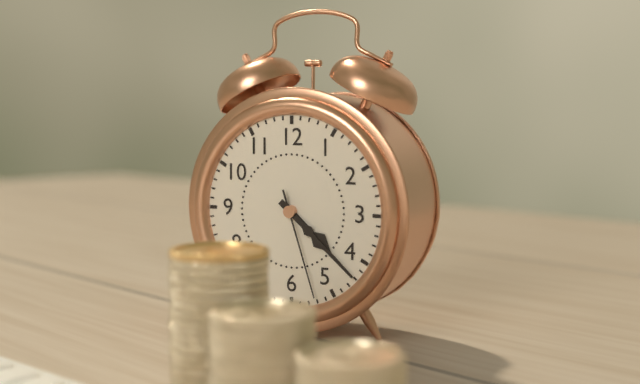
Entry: h=4 m=22 s=27
